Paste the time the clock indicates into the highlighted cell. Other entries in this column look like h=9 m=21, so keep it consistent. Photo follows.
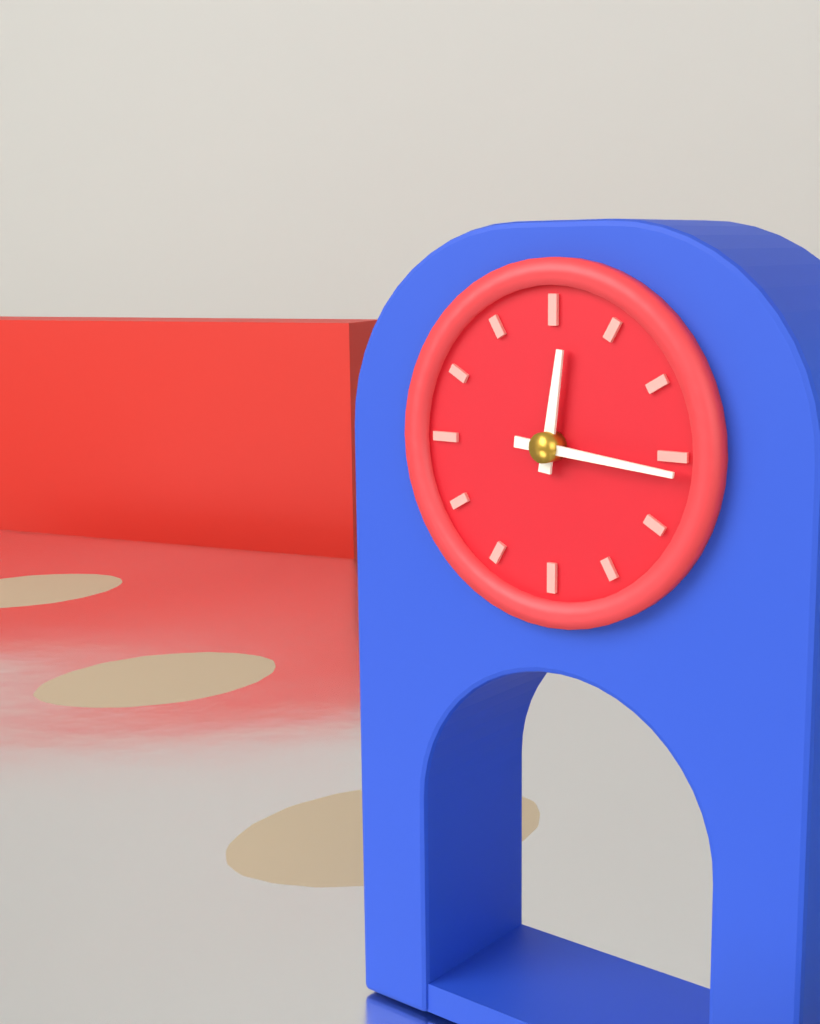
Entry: h=12 m=16
